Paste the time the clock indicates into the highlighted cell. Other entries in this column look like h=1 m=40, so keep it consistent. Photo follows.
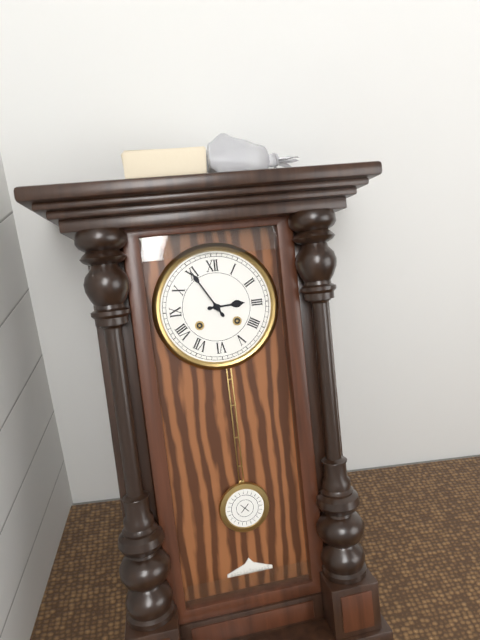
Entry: h=2 m=55
